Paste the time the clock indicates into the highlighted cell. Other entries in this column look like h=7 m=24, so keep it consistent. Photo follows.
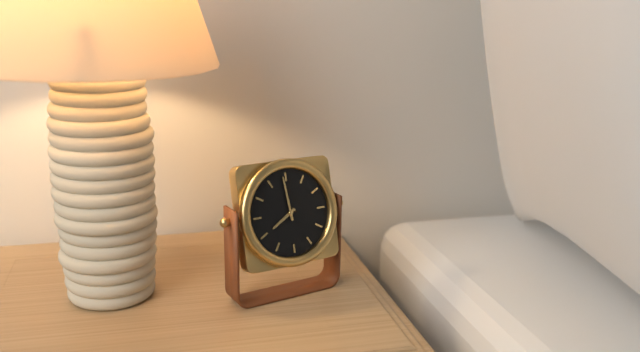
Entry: h=7 m=59
